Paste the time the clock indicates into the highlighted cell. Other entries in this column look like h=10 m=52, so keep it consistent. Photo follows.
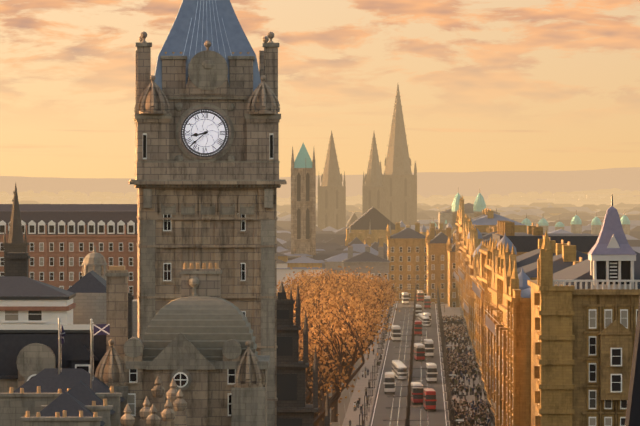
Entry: h=8 m=38
